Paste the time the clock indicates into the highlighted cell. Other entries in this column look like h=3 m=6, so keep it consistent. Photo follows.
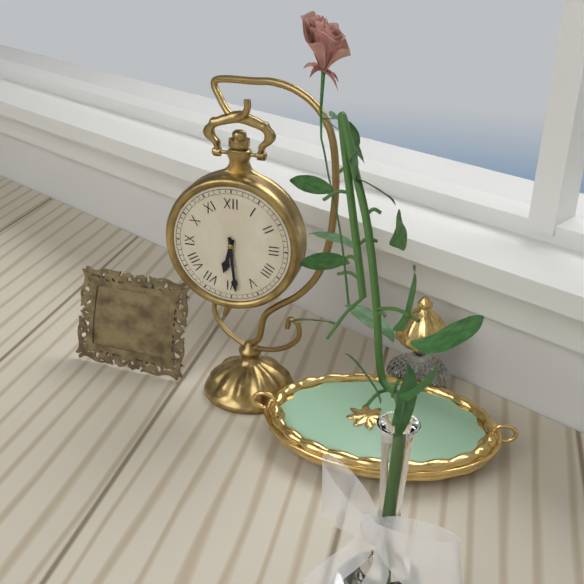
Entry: h=6 m=29
